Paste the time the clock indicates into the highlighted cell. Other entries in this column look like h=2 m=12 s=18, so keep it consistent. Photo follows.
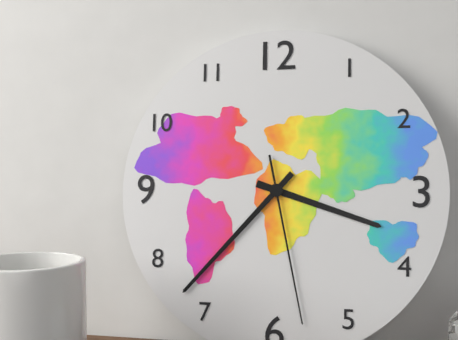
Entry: h=3 m=37 s=28
